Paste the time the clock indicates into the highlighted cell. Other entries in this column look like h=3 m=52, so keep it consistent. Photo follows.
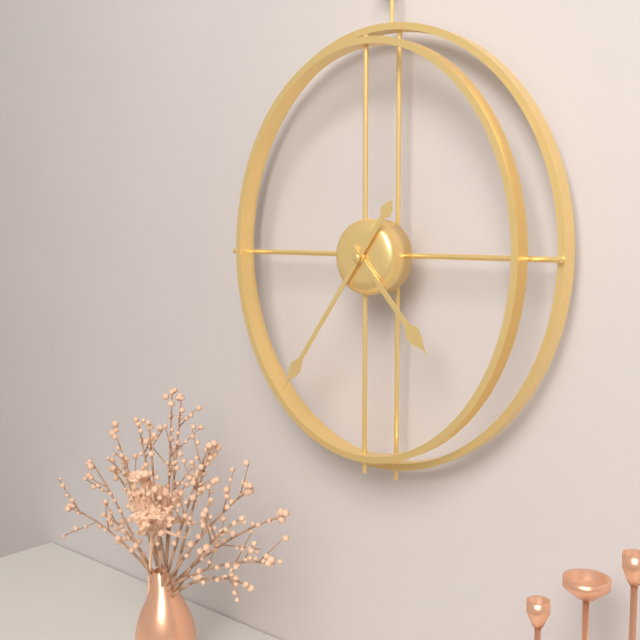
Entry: h=4 m=36
